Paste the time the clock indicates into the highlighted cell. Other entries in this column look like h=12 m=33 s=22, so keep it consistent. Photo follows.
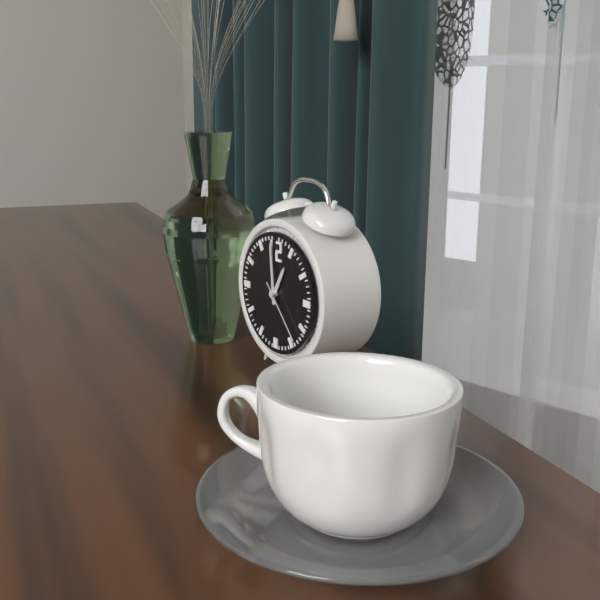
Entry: h=12 m=59 s=23
